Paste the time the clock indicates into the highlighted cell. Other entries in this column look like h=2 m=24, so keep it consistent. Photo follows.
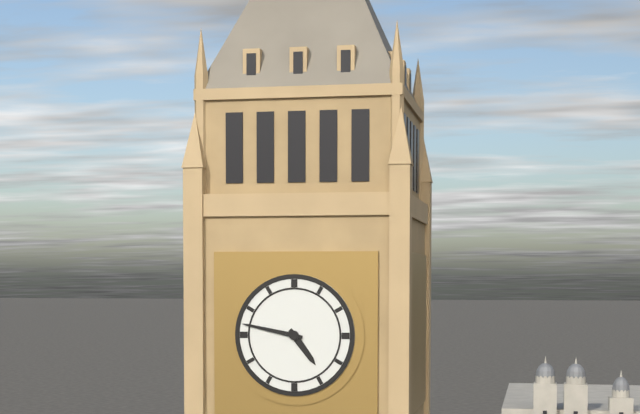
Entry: h=4 m=47
